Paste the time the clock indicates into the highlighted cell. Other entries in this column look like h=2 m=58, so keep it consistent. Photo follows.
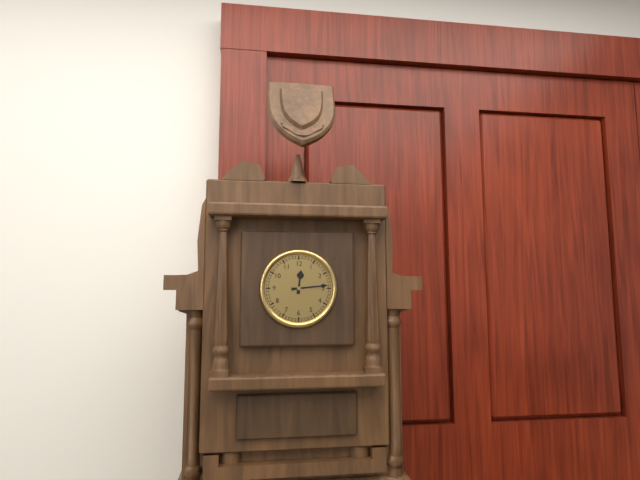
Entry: h=12 m=14
